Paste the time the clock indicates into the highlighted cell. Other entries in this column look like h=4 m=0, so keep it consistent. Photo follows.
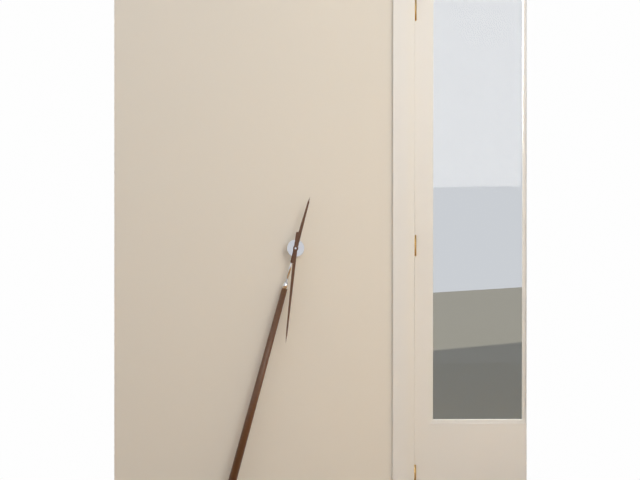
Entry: h=12 m=31
